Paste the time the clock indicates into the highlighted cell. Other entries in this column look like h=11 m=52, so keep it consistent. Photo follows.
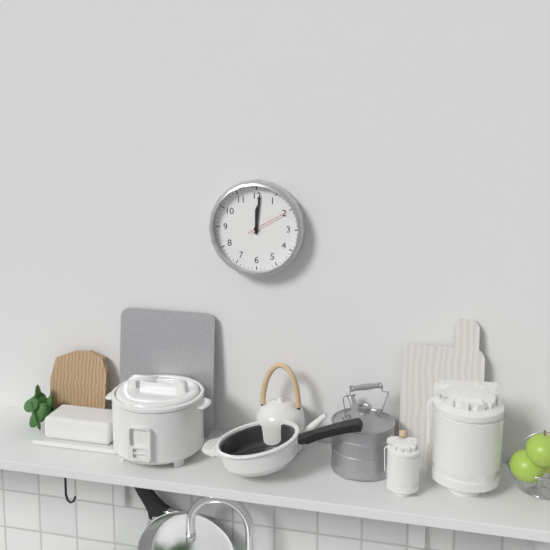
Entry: h=12 m=1
